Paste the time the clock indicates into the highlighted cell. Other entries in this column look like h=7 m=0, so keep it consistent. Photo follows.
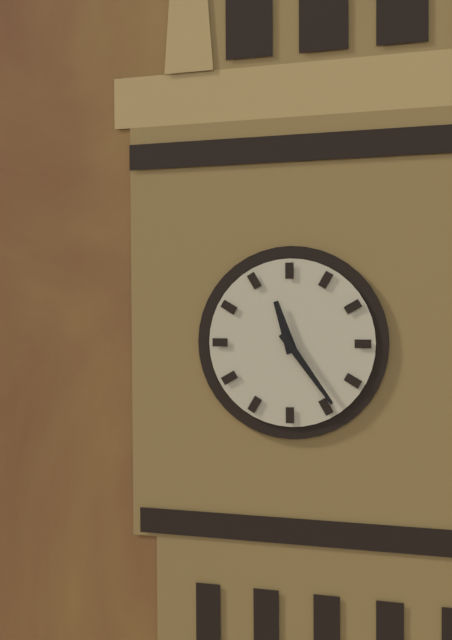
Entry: h=11 m=24
